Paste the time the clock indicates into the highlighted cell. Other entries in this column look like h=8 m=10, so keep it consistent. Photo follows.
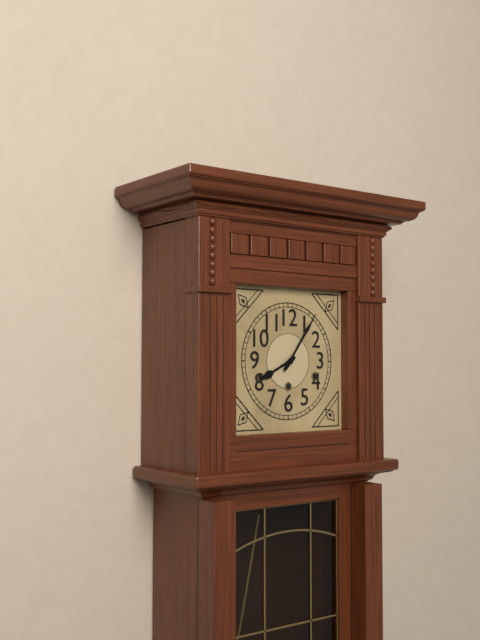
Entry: h=8 m=6
